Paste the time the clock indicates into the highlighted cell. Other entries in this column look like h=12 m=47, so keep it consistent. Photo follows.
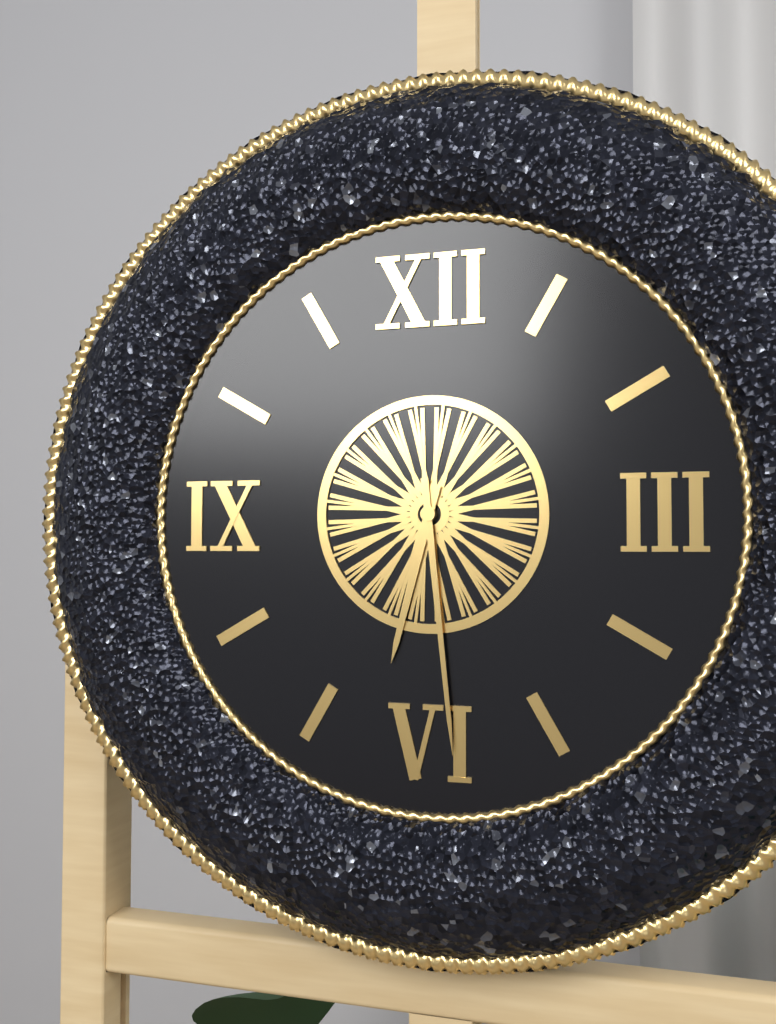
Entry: h=6 m=29
